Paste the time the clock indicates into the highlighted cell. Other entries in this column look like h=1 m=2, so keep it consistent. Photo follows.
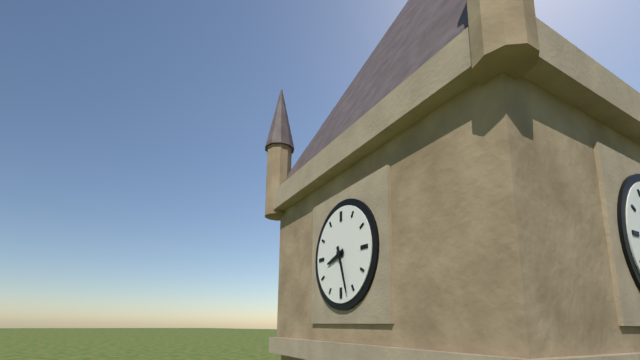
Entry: h=8 m=27
